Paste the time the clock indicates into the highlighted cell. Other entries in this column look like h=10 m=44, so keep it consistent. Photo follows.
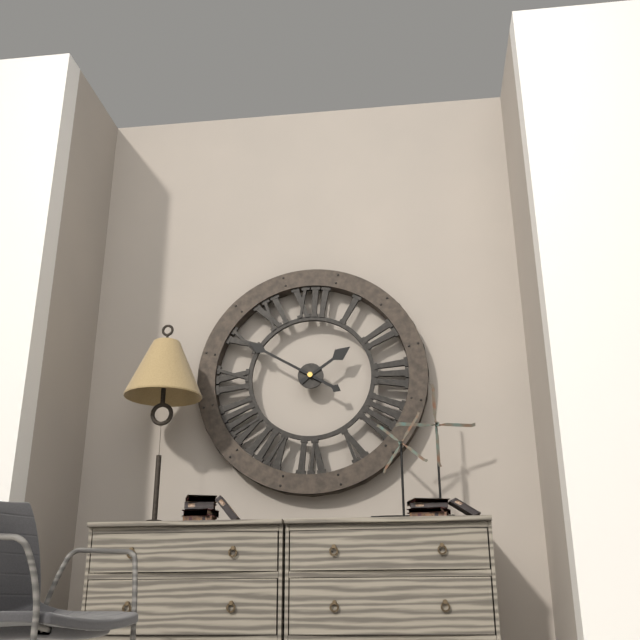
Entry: h=1 m=50
